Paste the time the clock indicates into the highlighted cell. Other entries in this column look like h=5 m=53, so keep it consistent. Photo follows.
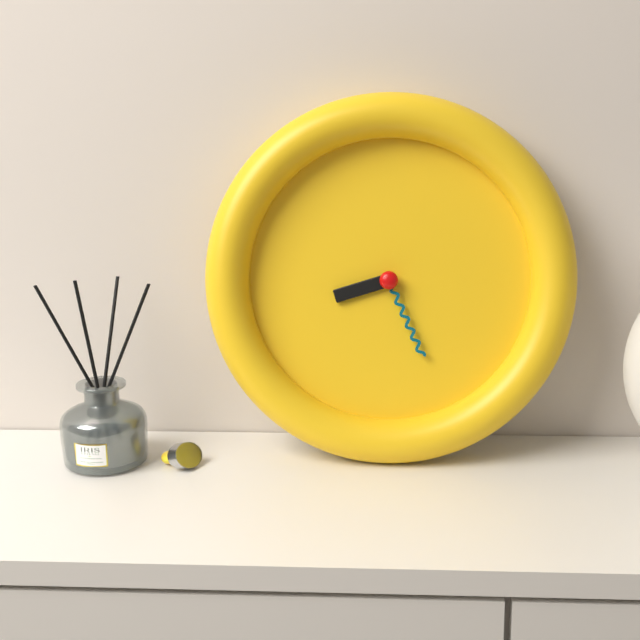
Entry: h=8 m=26
